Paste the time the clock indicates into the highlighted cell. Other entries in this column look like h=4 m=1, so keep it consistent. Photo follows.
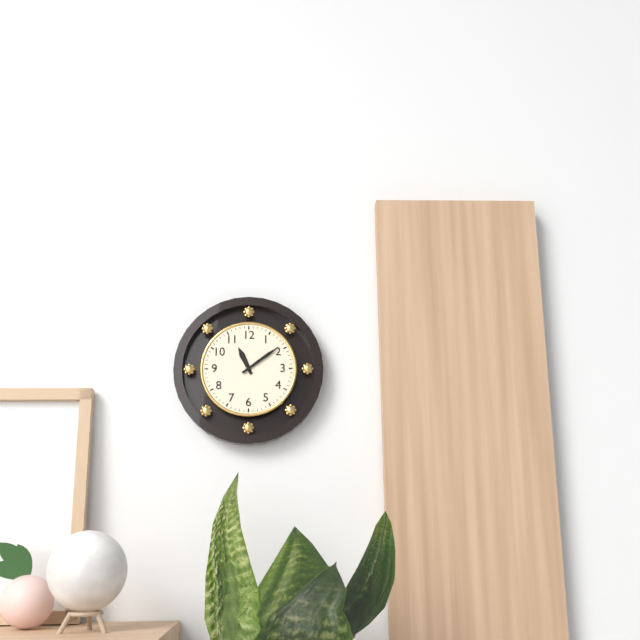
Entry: h=11 m=9
